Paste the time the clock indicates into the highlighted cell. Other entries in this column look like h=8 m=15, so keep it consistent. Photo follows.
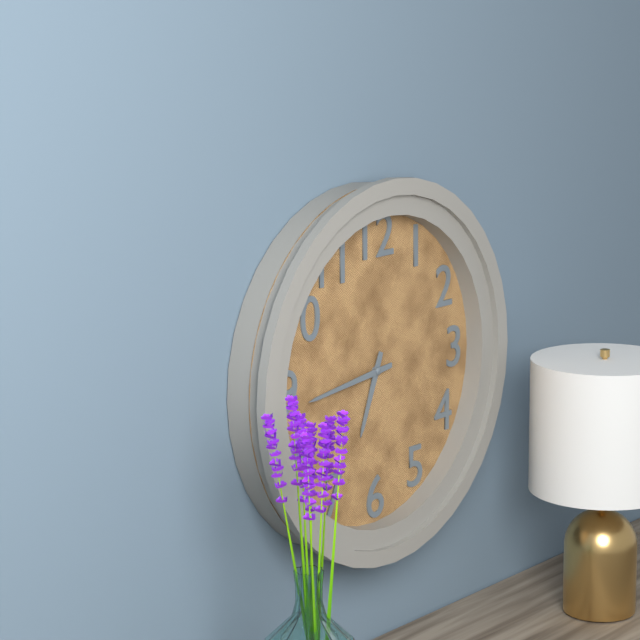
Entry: h=6 m=44
